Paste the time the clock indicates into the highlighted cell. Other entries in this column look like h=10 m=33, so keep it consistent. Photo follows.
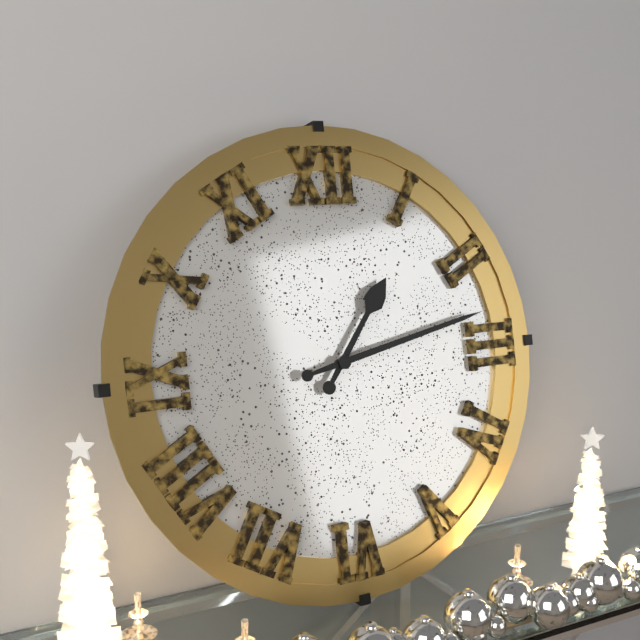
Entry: h=1 m=13
